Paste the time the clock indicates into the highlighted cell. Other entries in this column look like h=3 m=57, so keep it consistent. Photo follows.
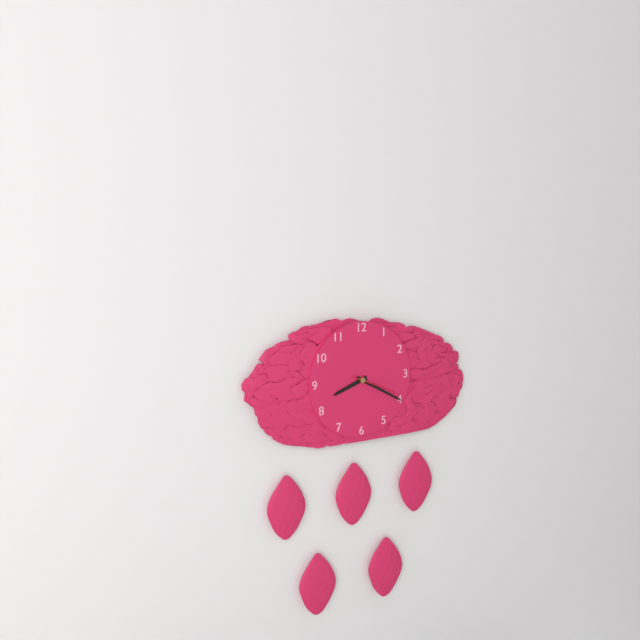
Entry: h=8 m=20
